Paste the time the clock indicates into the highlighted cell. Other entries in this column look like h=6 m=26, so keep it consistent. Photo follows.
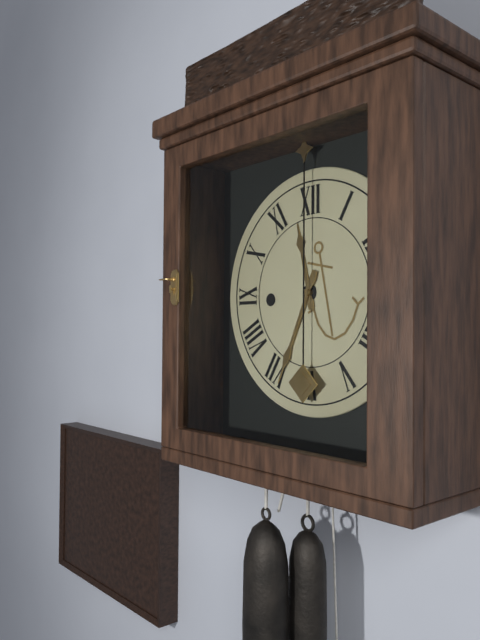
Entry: h=11 m=34
